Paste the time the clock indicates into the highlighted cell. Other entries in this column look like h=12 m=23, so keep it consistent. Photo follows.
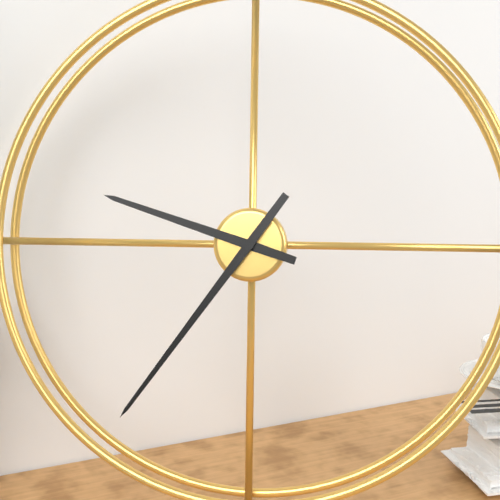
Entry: h=9 m=36
